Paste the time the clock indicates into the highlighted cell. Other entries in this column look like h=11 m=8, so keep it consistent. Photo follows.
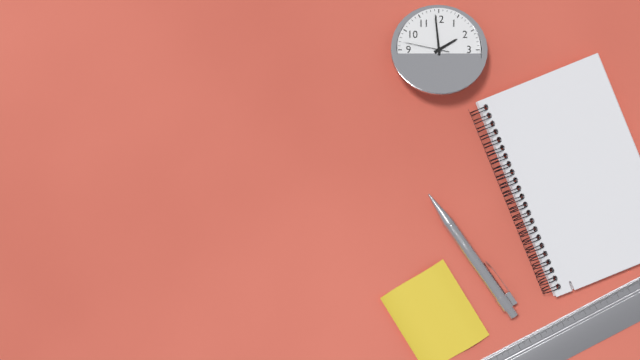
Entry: h=1 m=59
